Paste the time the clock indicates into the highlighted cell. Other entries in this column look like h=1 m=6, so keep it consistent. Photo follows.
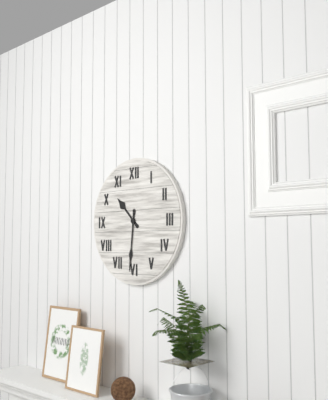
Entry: h=10 m=31
